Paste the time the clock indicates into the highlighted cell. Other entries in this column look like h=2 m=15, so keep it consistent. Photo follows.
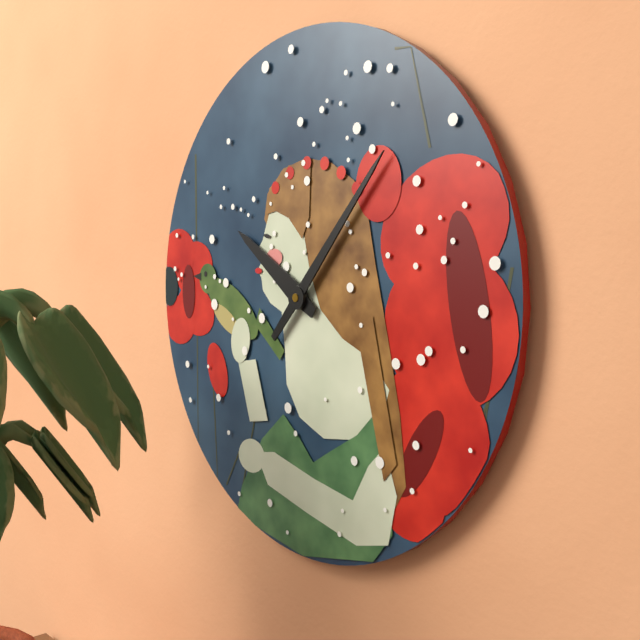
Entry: h=10 m=7
